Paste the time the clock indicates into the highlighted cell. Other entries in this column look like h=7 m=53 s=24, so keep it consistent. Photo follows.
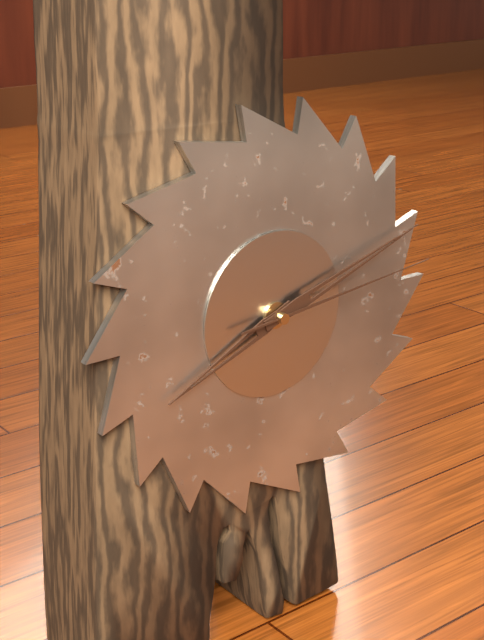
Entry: h=8 m=12 s=14
